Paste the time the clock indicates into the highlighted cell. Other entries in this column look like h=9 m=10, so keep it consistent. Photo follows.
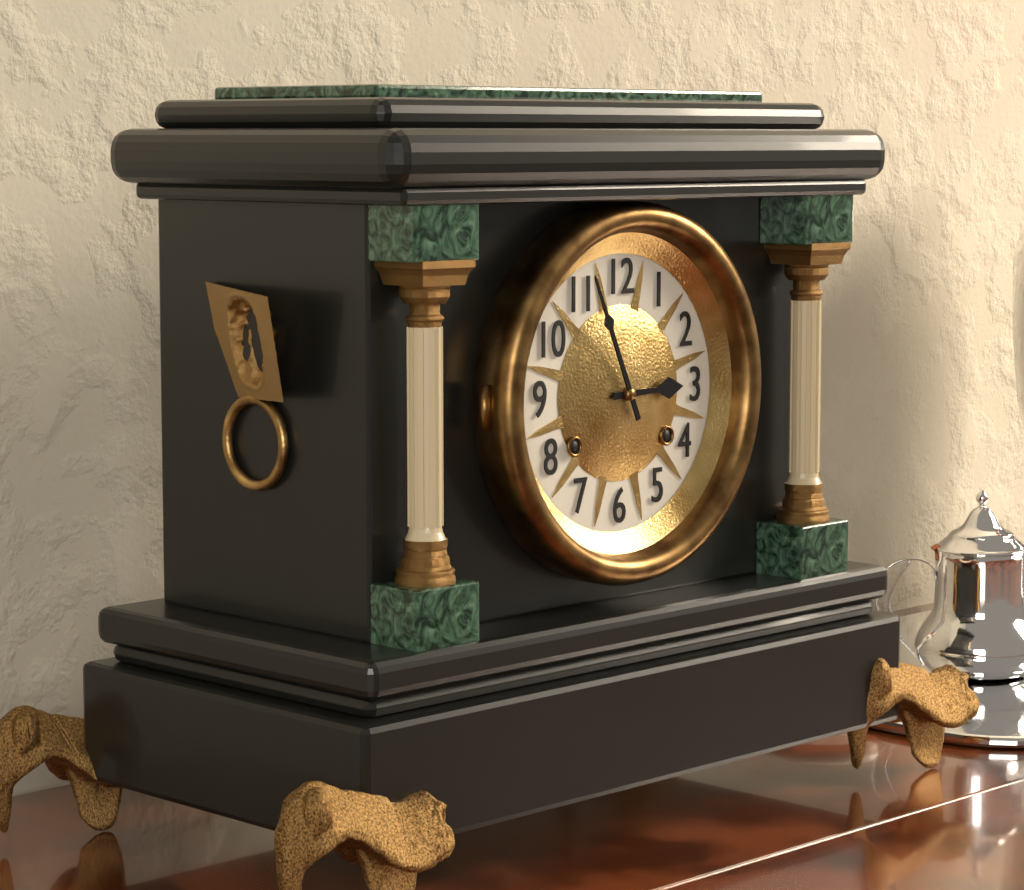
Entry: h=2 m=56
